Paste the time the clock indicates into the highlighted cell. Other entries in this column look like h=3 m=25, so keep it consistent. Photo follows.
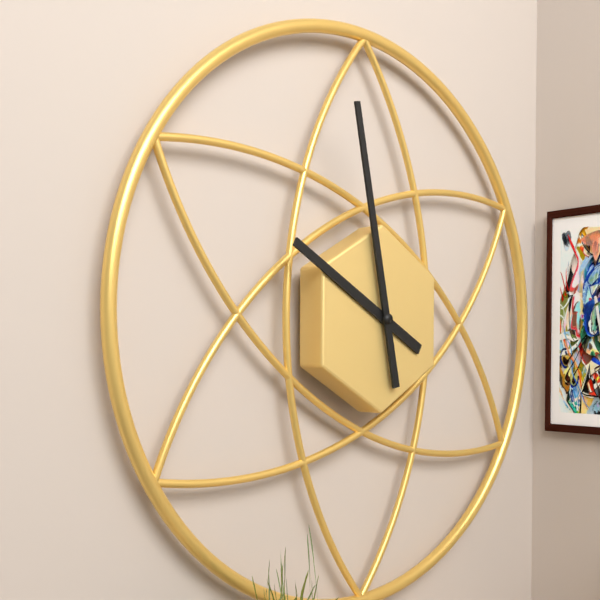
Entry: h=9 m=58
